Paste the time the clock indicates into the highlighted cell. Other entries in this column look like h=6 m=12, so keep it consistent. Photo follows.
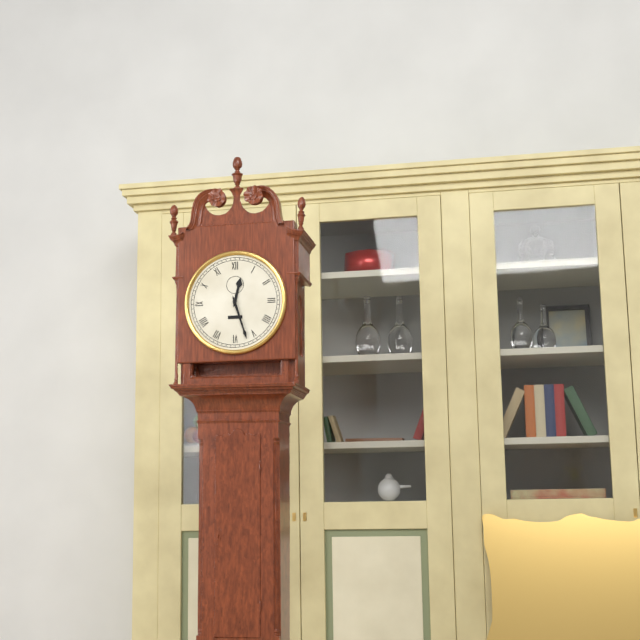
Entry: h=12 m=27
